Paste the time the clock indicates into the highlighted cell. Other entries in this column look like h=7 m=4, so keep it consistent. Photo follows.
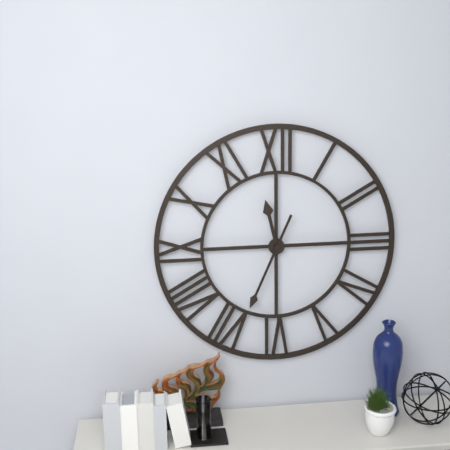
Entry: h=11 m=34
